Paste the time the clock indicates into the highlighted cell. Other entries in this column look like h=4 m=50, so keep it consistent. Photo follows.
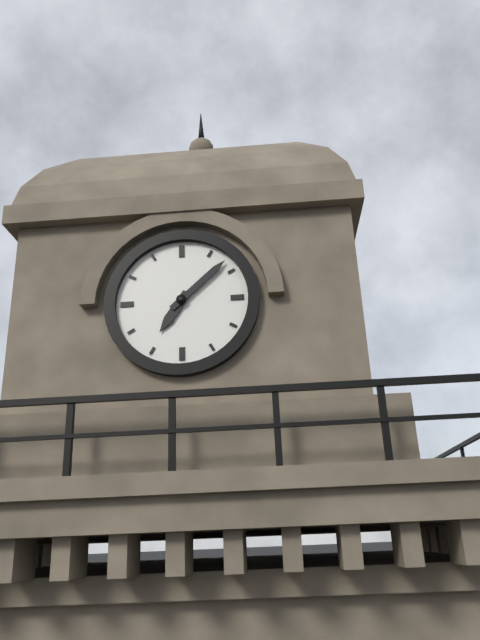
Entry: h=7 m=8
